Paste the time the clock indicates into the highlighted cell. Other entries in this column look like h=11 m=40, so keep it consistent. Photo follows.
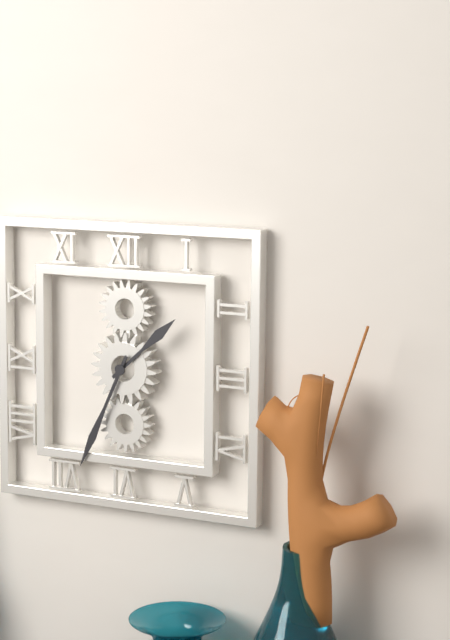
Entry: h=1 m=34
